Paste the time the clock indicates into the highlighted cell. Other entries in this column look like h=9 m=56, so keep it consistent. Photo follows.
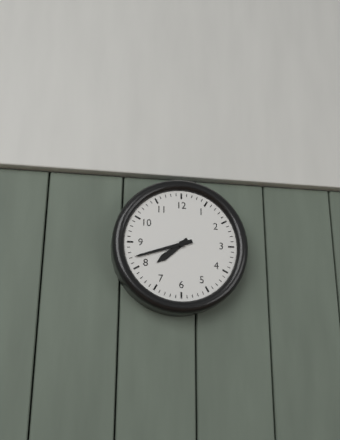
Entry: h=7 m=42
